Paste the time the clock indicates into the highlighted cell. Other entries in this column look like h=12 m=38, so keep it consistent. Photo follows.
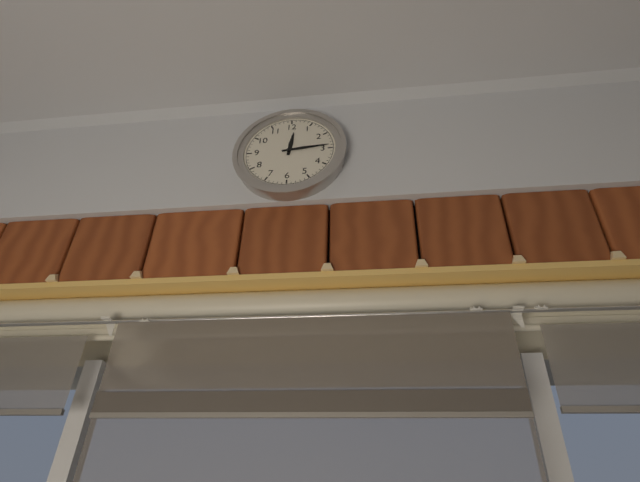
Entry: h=12 m=14
